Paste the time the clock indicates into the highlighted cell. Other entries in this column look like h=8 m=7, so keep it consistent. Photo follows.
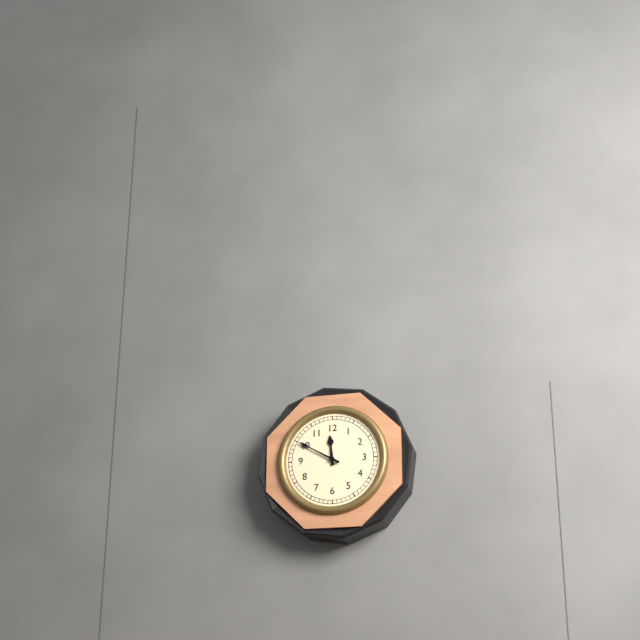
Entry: h=11 m=50
